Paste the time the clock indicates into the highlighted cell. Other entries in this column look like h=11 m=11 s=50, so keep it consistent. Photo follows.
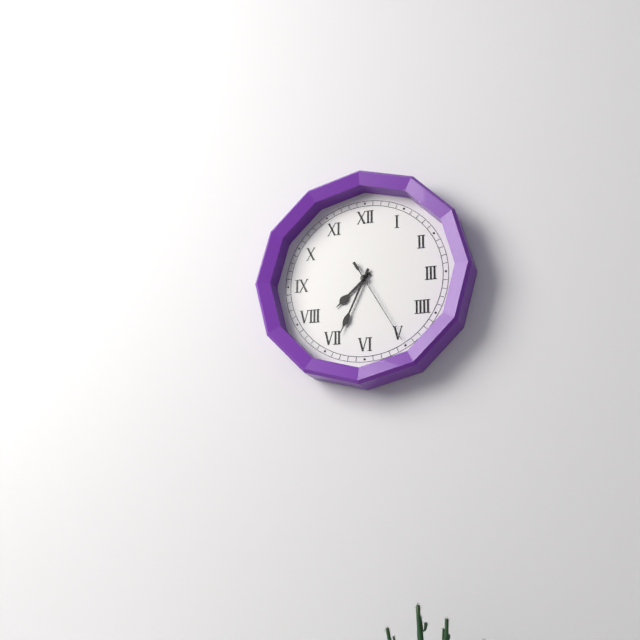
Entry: h=7 m=34 s=25
